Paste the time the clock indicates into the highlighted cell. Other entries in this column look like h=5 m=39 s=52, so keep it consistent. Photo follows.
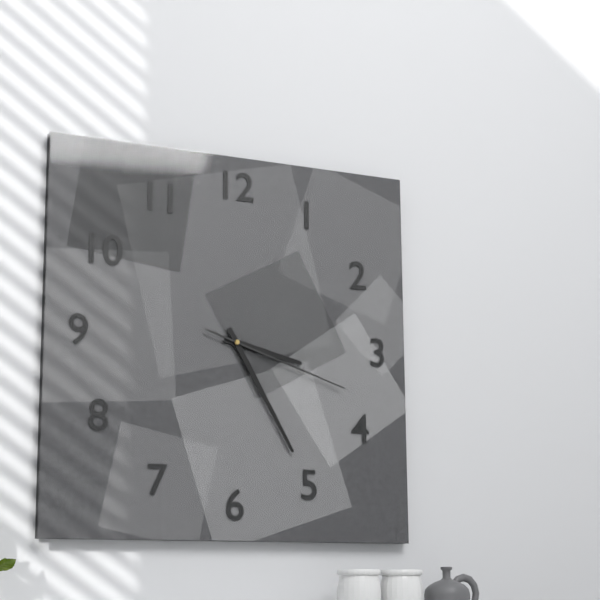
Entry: h=3 m=25 s=18
